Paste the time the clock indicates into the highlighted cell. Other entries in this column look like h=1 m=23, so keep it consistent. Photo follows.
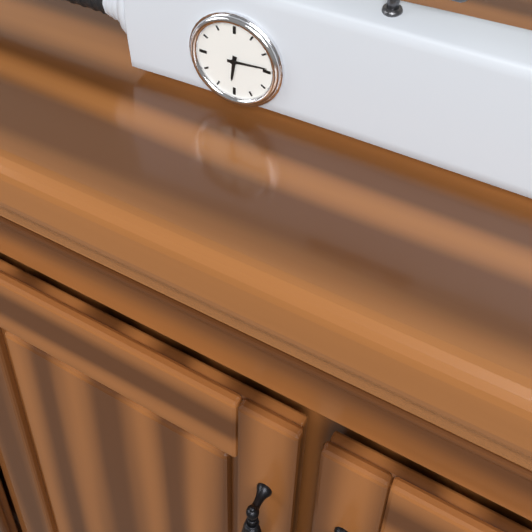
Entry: h=6 m=14
